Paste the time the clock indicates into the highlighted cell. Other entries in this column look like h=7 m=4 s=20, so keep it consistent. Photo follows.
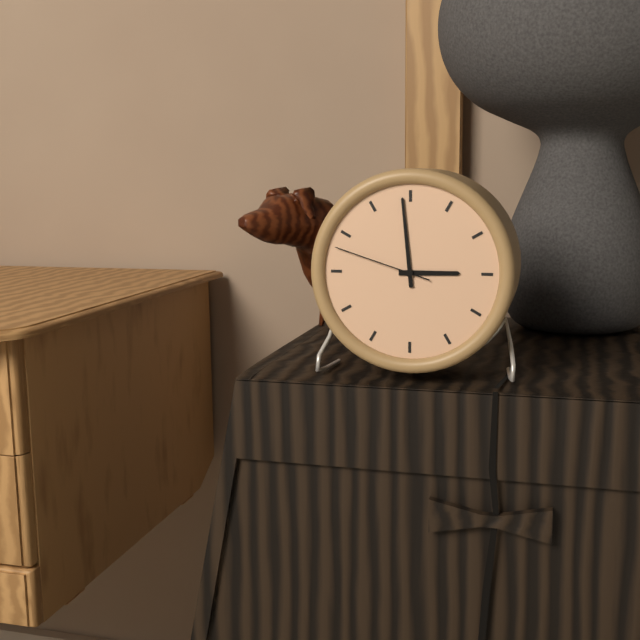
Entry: h=2 m=59 s=48
